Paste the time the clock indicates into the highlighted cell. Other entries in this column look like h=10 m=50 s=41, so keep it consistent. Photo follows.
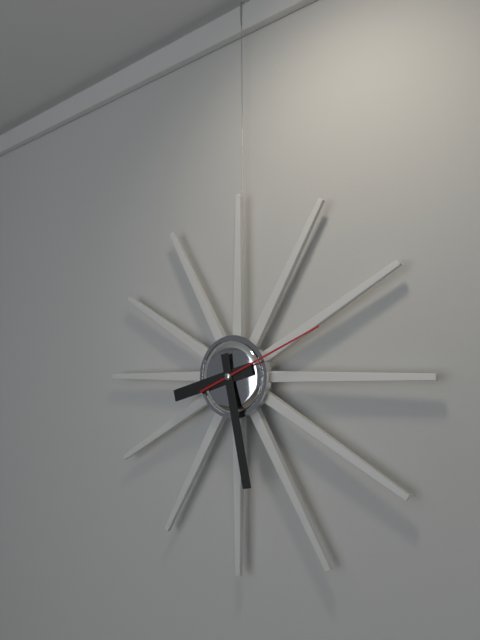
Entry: h=8 m=28 s=11
